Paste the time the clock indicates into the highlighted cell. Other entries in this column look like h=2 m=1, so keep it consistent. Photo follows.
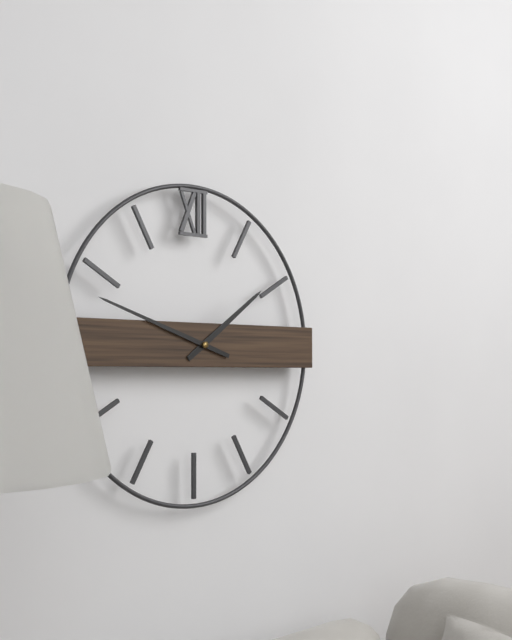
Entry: h=1 m=48
